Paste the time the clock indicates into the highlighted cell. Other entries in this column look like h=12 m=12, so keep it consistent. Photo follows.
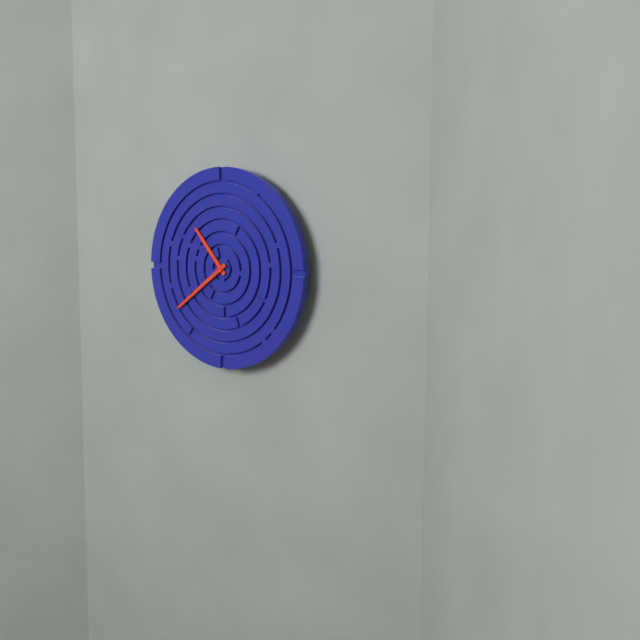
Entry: h=10 m=39
